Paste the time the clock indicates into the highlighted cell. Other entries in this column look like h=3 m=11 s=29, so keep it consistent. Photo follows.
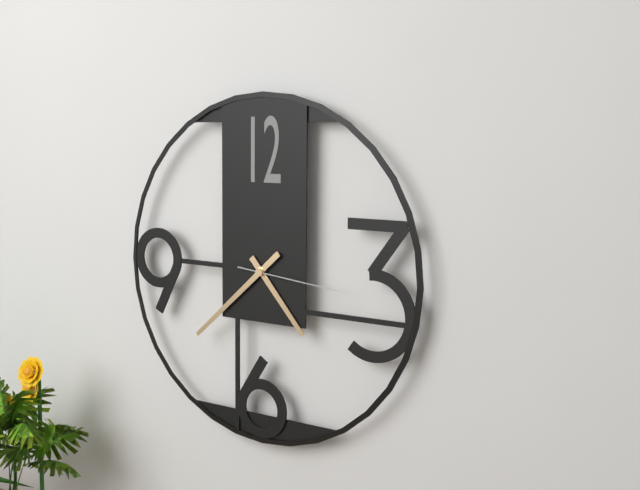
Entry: h=4 m=38 s=16
